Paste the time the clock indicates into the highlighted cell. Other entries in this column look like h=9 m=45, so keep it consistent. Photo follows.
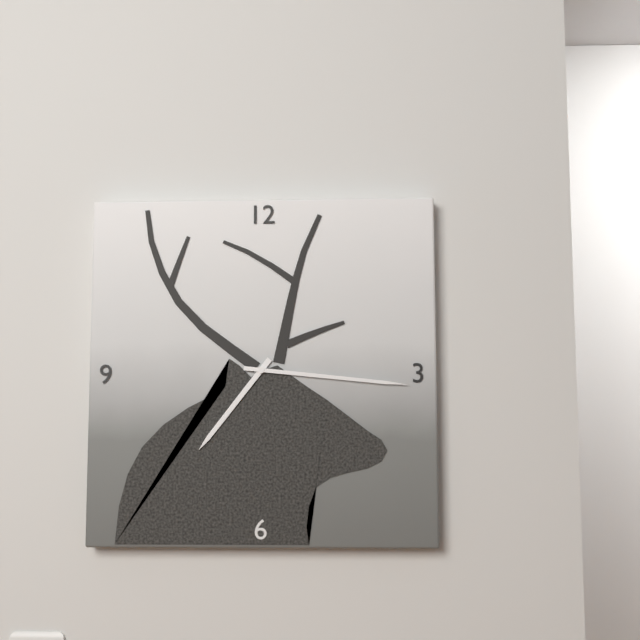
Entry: h=7 m=16
